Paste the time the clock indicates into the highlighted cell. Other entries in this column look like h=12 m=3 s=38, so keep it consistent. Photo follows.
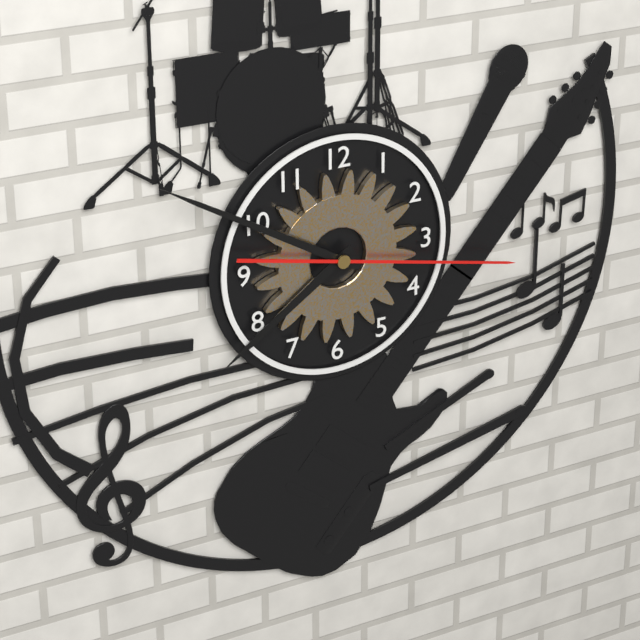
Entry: h=7 m=50 s=17
